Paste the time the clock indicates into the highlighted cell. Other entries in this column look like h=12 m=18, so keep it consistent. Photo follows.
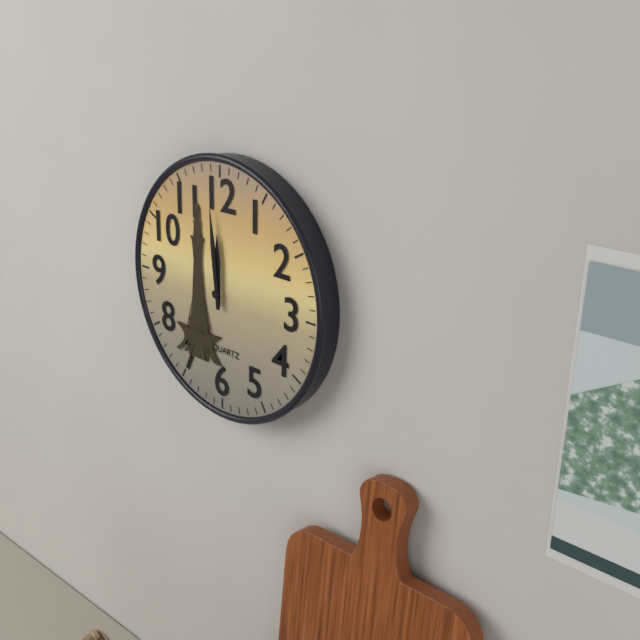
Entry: h=11 m=59
